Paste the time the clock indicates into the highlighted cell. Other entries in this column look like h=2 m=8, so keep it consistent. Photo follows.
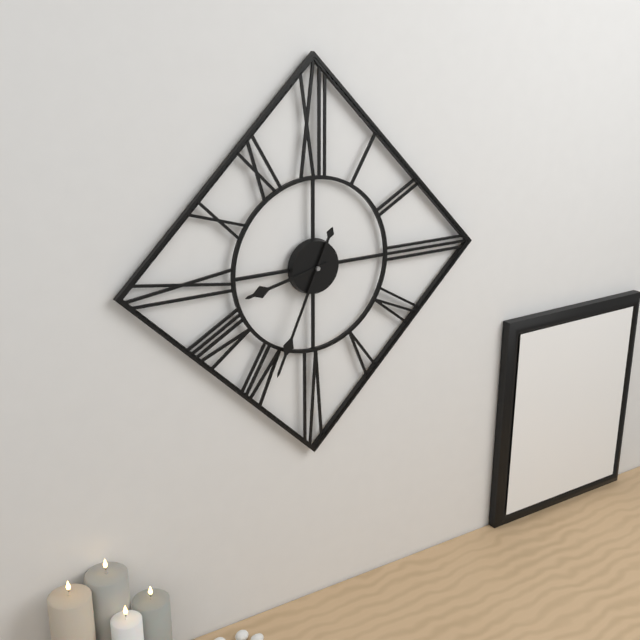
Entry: h=8 m=34
